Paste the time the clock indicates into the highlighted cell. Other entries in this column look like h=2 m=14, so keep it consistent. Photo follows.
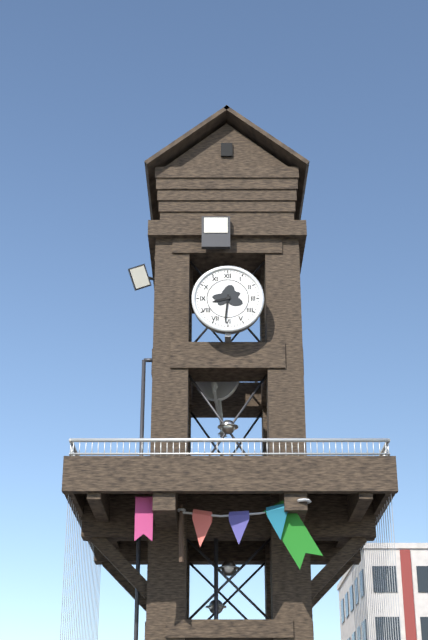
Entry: h=8 m=31
